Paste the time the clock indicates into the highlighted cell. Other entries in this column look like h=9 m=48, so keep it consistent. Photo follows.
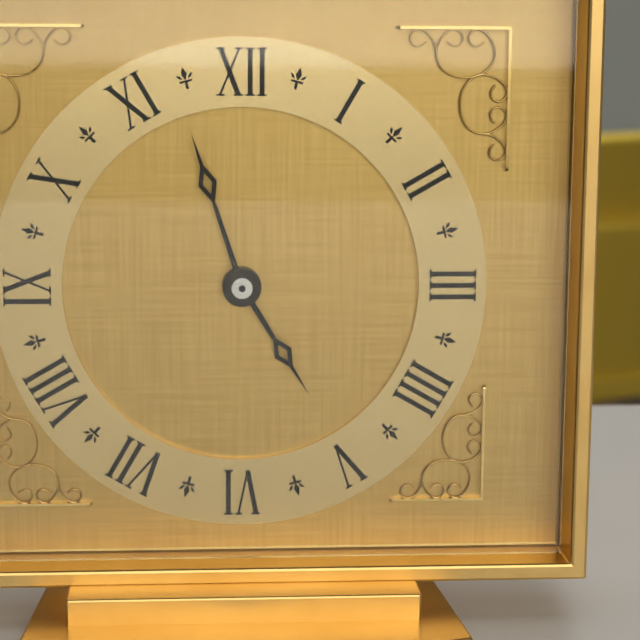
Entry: h=4 m=57
